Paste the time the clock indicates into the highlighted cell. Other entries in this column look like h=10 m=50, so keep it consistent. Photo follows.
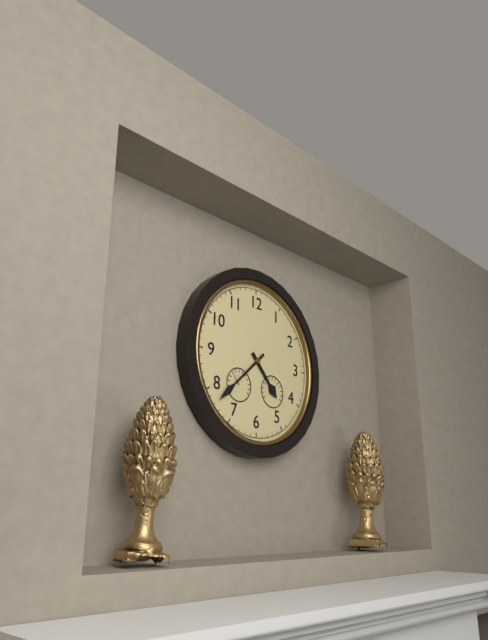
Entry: h=4 m=38
